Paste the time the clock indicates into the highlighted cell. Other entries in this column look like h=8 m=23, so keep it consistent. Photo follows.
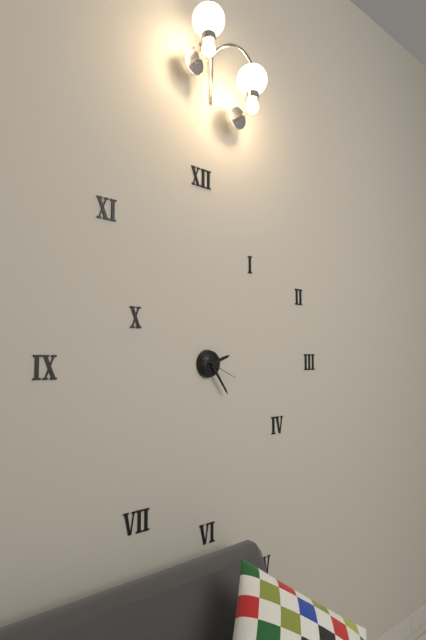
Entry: h=2 m=24
